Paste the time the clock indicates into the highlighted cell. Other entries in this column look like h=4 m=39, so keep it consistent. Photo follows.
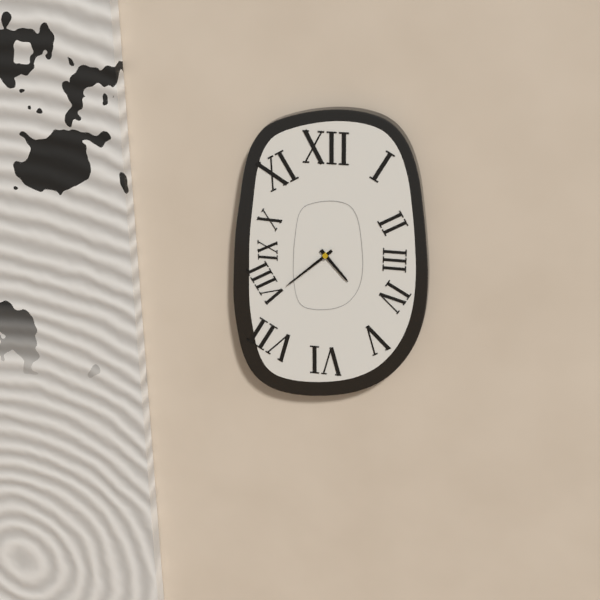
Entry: h=4 m=38
